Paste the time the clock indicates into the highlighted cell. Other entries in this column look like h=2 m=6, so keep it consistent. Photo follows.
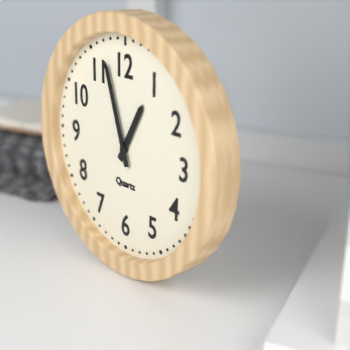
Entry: h=12 m=57
